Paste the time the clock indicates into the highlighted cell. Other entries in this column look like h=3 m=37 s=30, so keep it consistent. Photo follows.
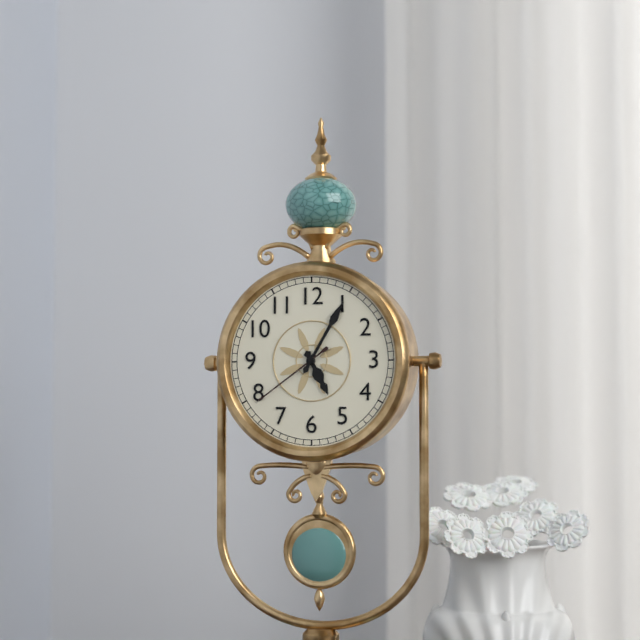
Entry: h=5 m=5 s=39
